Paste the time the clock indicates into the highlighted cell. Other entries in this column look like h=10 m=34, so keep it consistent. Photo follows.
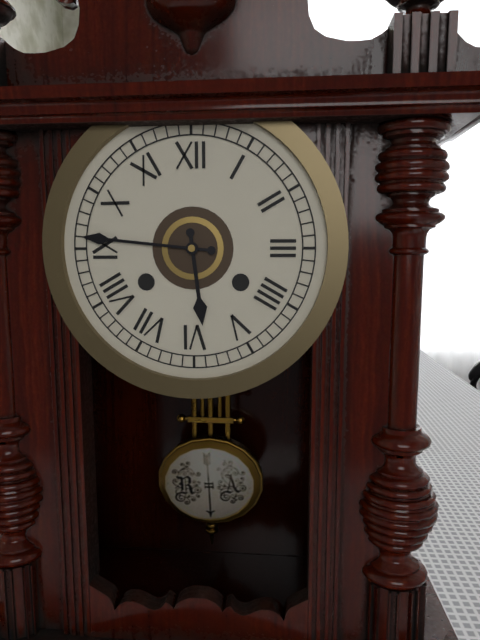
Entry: h=5 m=46
